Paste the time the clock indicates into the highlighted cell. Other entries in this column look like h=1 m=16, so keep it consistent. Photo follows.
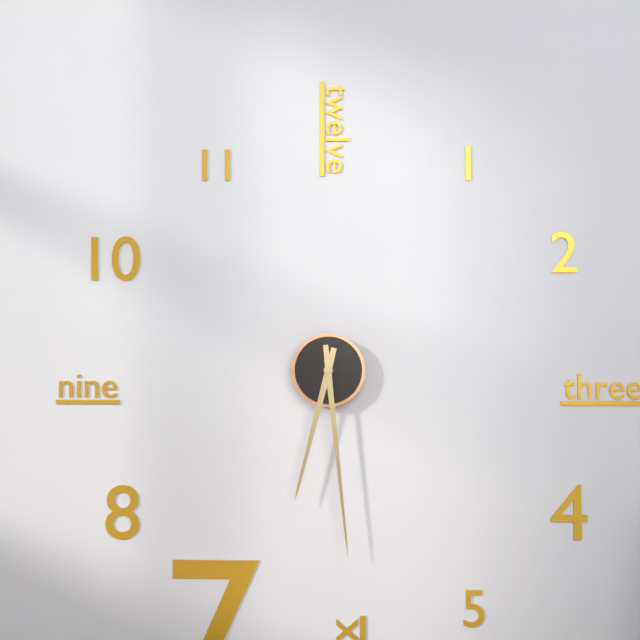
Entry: h=6 m=29
